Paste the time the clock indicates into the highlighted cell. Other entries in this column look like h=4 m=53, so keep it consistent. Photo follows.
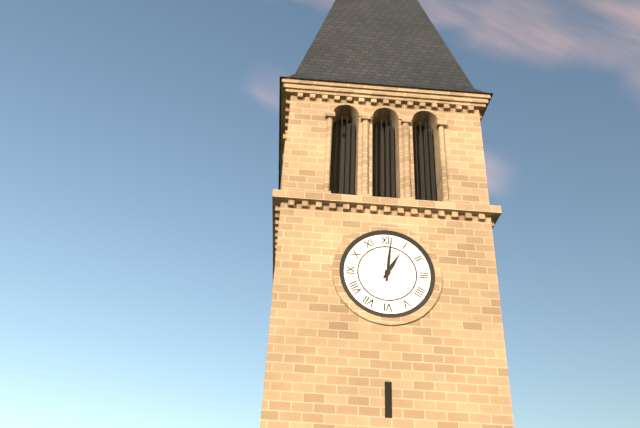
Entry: h=1 m=1
